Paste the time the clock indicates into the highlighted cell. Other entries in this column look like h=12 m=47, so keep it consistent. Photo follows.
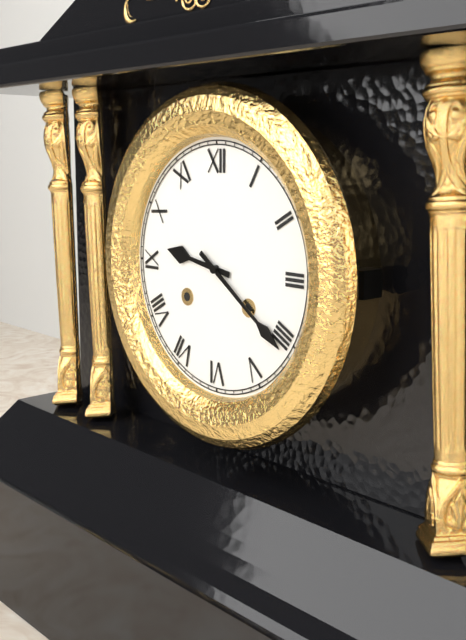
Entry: h=9 m=21
